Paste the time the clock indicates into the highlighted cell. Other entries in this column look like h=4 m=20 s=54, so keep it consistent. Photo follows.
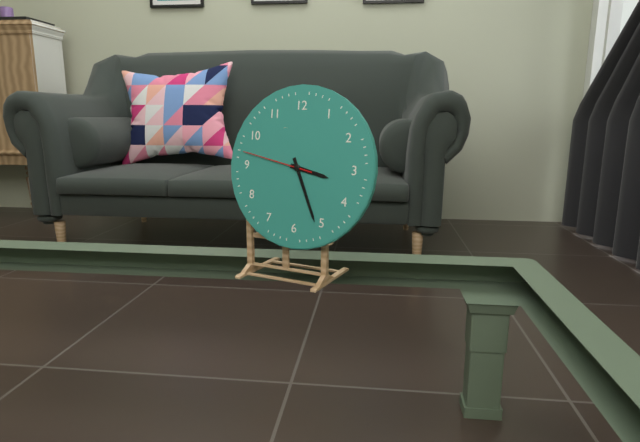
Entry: h=3 m=26 s=47
